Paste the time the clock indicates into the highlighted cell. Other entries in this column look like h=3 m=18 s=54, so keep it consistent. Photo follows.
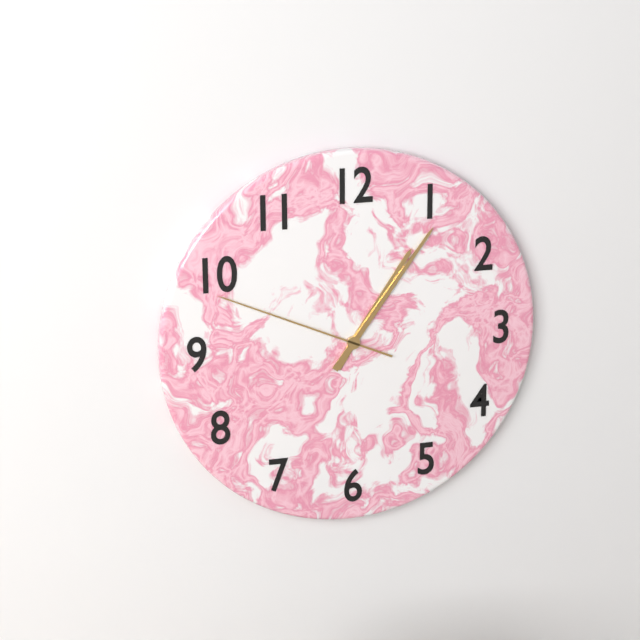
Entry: h=1 m=6 s=49
